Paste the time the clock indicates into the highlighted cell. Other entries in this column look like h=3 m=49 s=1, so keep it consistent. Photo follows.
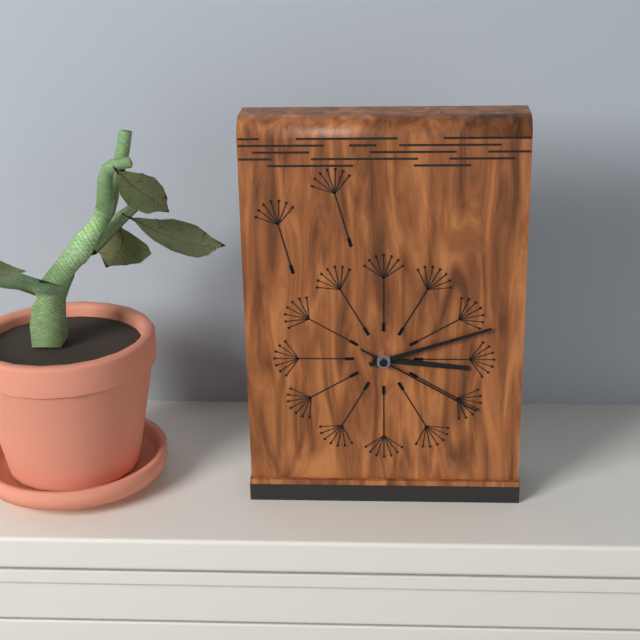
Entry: h=3 m=12 s=20
